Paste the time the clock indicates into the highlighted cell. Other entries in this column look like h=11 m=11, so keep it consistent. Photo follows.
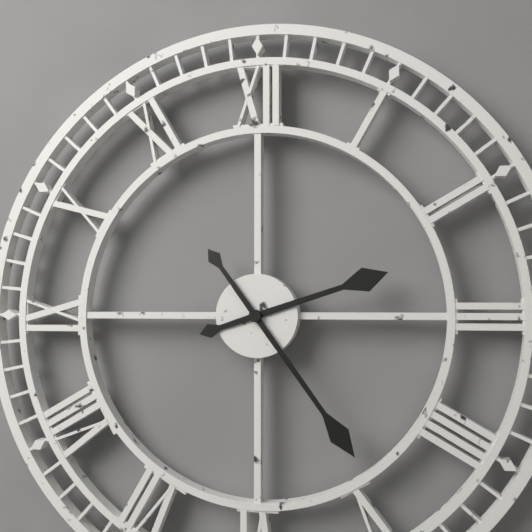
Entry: h=2 m=24
